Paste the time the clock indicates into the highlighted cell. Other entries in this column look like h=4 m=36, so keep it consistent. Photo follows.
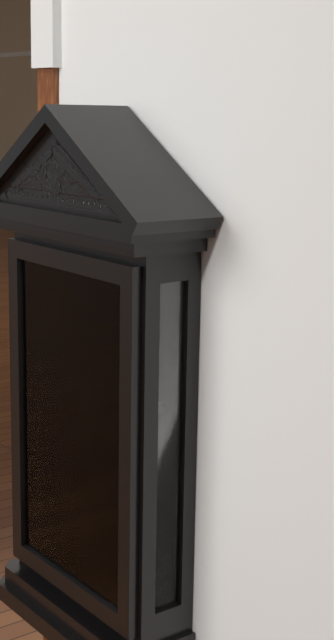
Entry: h=7 m=26
